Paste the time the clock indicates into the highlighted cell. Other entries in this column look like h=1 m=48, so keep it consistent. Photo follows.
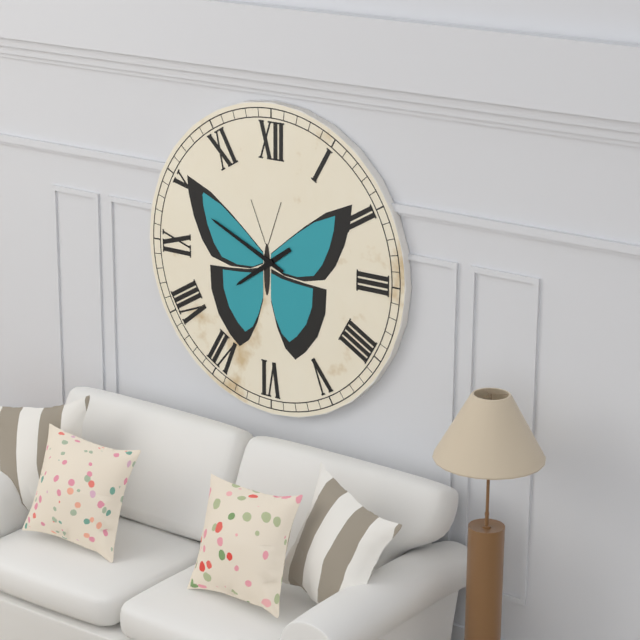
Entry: h=7 m=49
